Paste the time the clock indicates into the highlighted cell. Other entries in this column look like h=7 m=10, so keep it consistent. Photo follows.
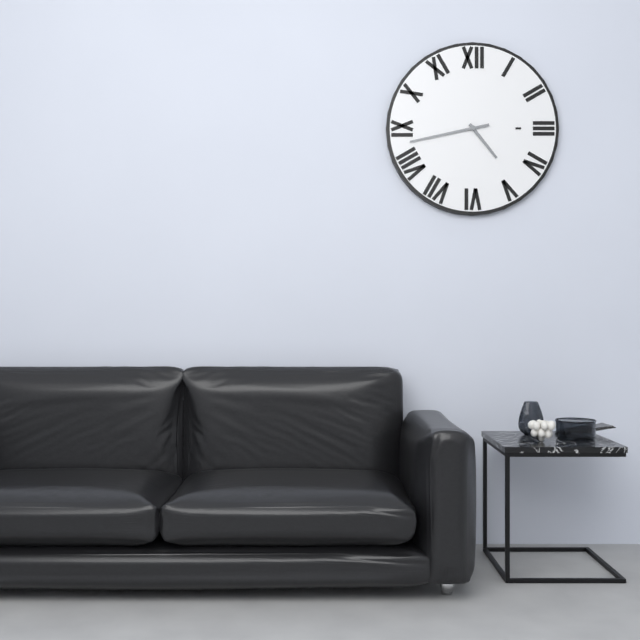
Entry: h=4 m=43
